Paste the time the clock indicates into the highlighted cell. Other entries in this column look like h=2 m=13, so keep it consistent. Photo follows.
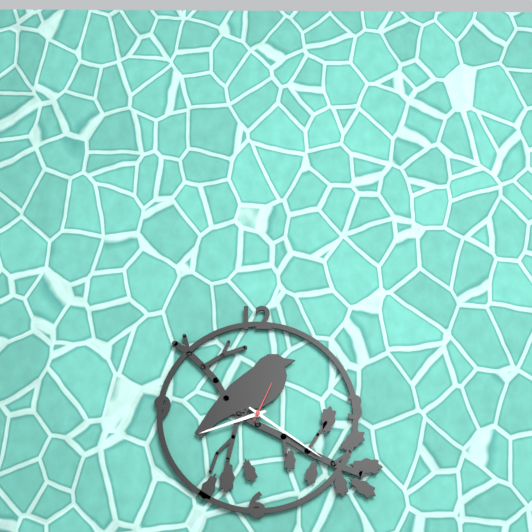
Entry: h=8 m=21
